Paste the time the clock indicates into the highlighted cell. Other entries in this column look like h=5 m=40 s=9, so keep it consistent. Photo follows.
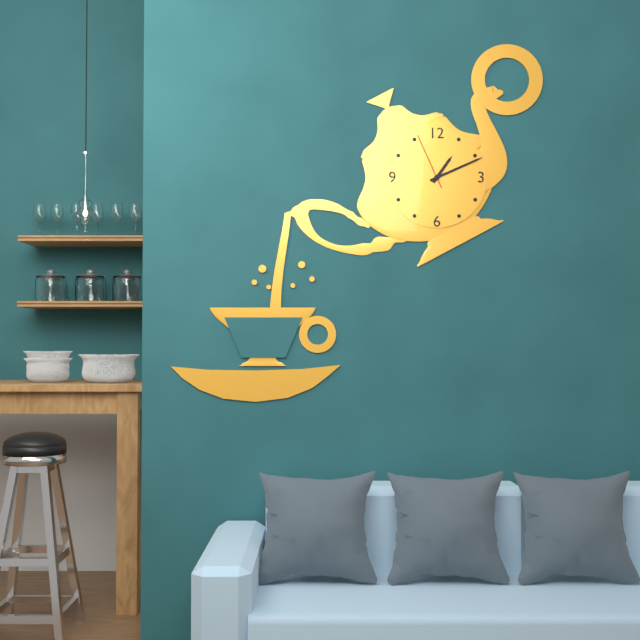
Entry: h=1 m=11 s=56
